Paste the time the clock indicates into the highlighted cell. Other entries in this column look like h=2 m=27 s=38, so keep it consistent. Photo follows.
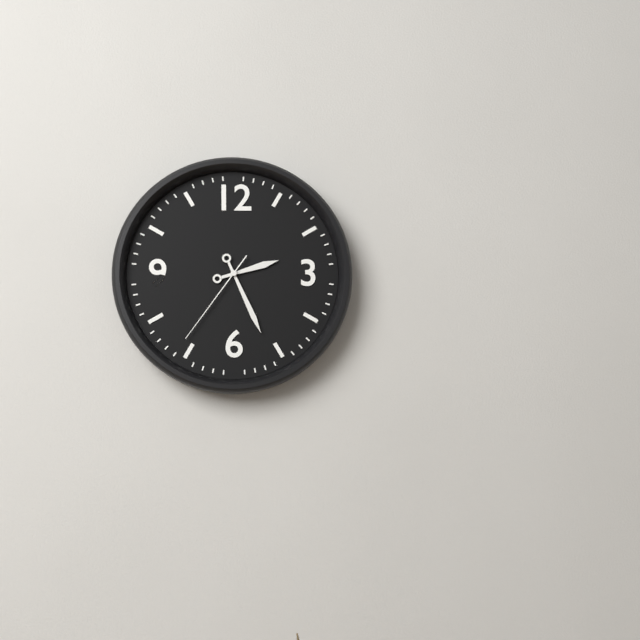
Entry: h=2 m=26 s=36
